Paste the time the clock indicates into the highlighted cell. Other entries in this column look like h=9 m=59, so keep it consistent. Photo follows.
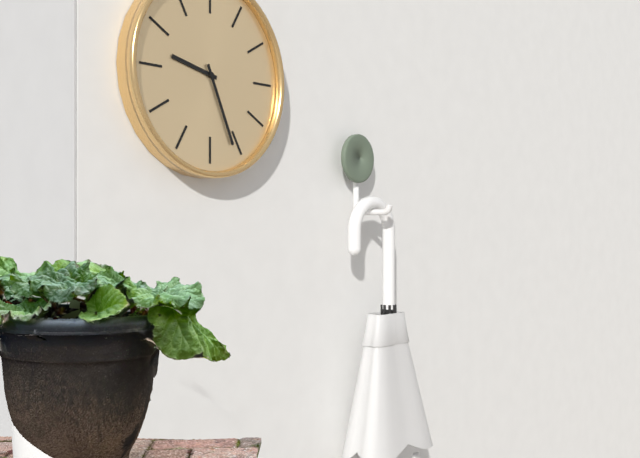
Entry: h=9 m=26
